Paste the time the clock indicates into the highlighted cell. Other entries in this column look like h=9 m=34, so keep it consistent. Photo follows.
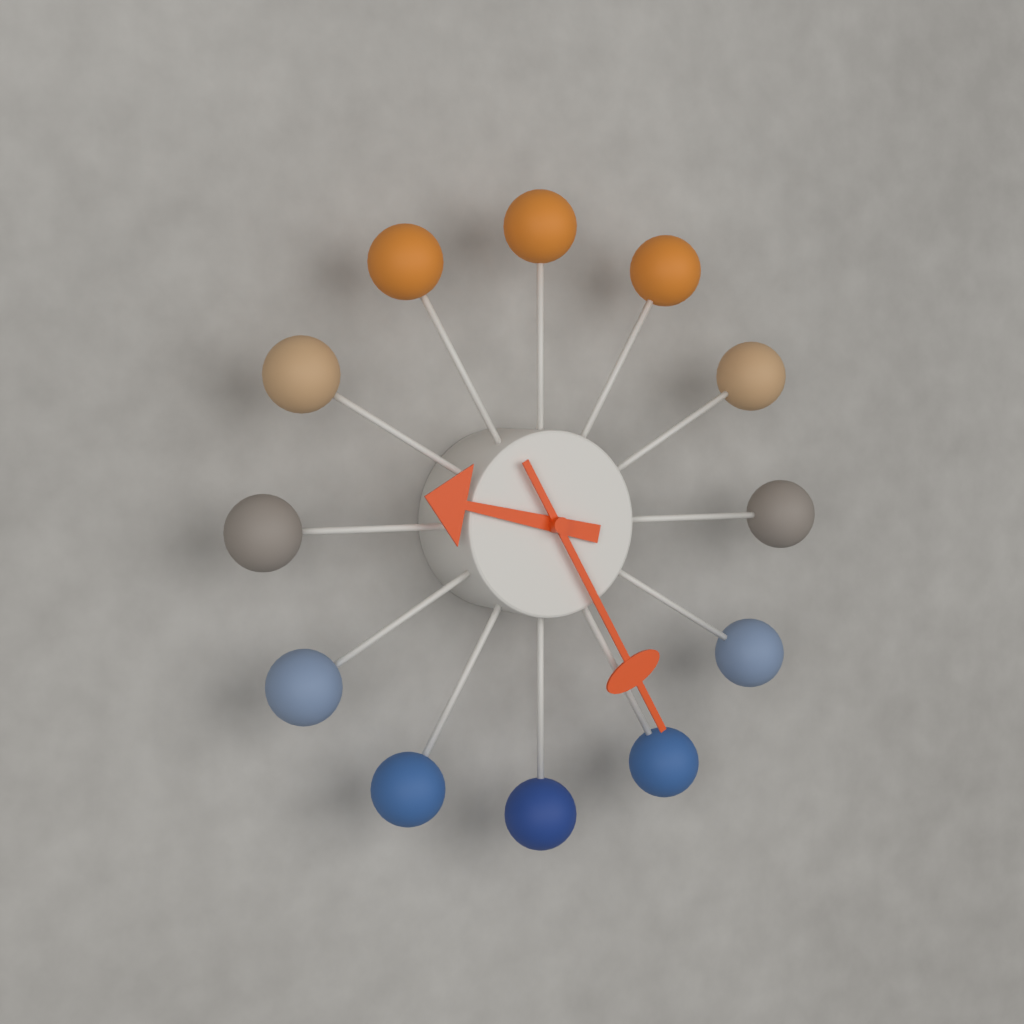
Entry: h=9 m=25
